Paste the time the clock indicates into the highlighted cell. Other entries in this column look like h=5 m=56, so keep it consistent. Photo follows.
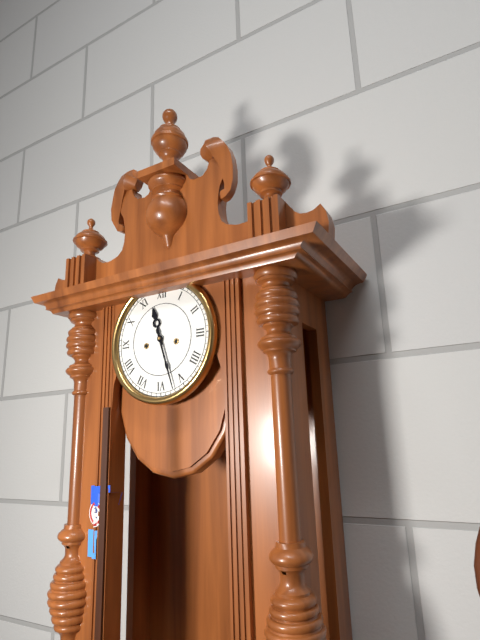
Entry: h=11 m=27
